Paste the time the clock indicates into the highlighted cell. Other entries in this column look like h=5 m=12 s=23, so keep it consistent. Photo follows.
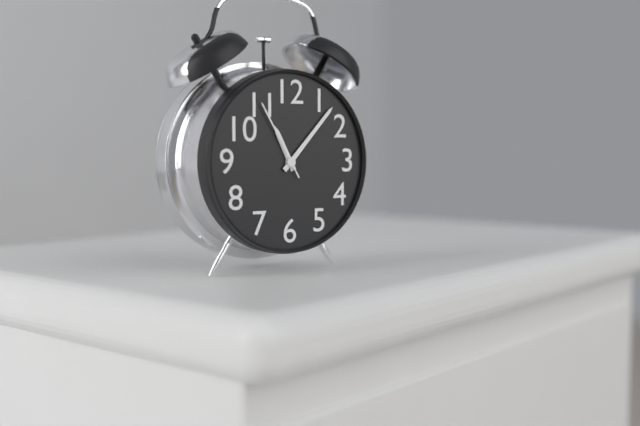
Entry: h=11 m=7 s=55
